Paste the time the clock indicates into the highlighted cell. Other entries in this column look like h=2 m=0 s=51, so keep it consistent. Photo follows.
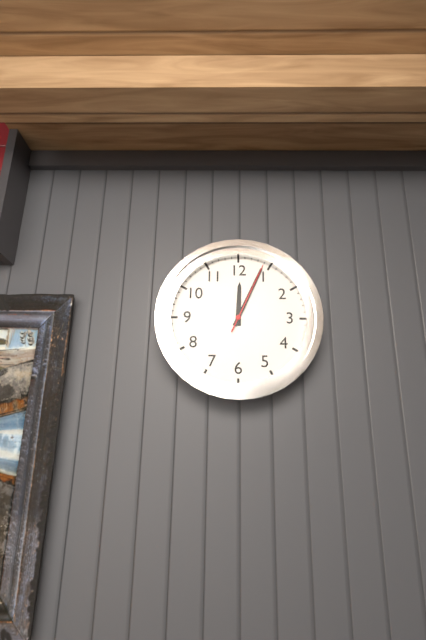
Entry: h=12 m=4 s=4
